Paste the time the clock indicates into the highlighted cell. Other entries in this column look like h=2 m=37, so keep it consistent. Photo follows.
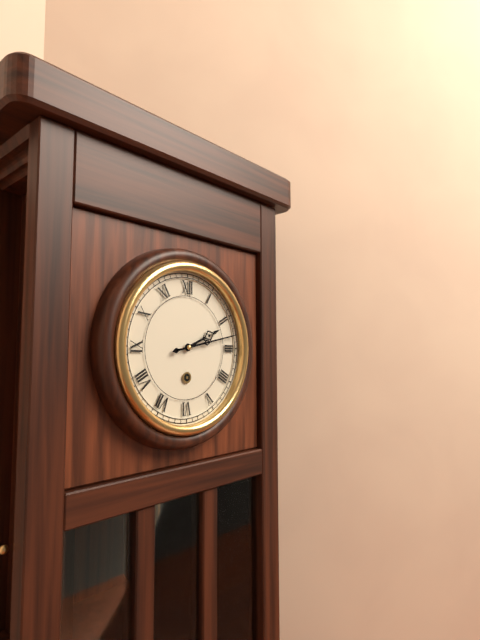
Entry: h=2 m=13
